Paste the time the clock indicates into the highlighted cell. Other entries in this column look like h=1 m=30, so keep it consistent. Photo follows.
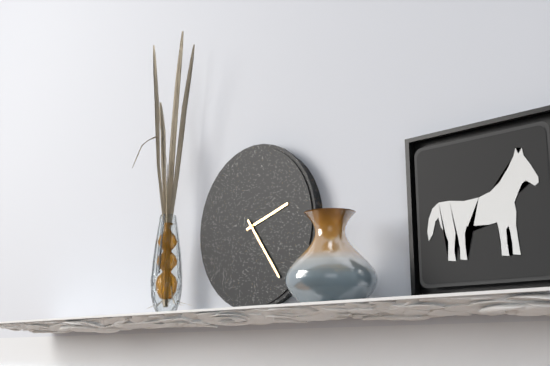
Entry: h=2 m=24
